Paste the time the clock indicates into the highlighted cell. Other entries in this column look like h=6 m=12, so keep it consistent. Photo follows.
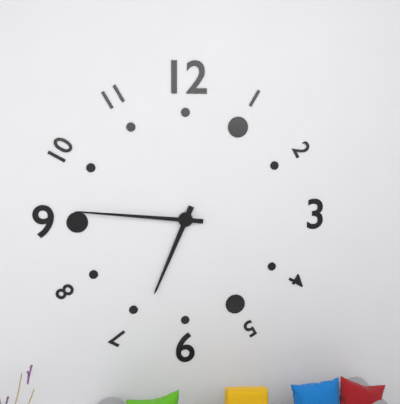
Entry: h=6 m=46
